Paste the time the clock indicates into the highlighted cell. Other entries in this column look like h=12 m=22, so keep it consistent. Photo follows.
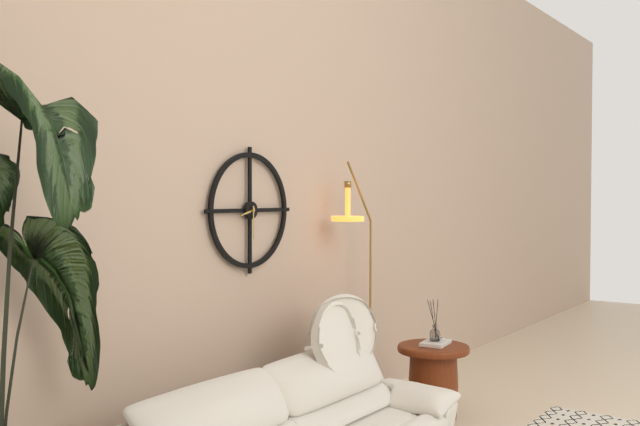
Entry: h=8 m=30
